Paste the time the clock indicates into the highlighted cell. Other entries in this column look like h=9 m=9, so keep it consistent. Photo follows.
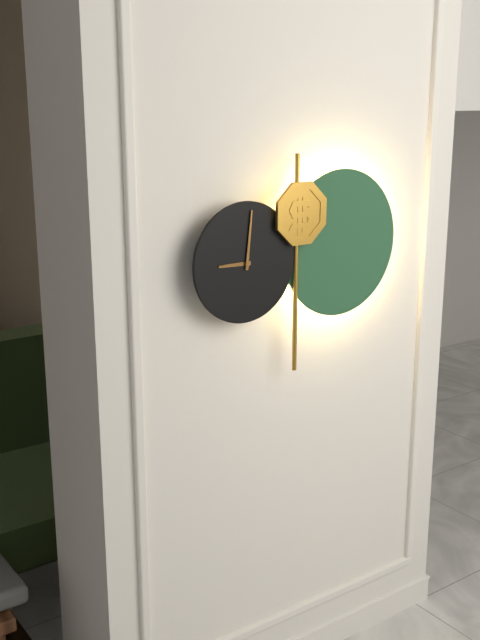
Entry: h=9 m=1
